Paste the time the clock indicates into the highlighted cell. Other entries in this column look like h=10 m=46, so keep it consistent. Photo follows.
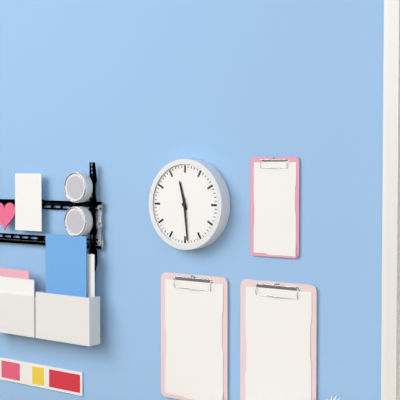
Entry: h=11 m=29
